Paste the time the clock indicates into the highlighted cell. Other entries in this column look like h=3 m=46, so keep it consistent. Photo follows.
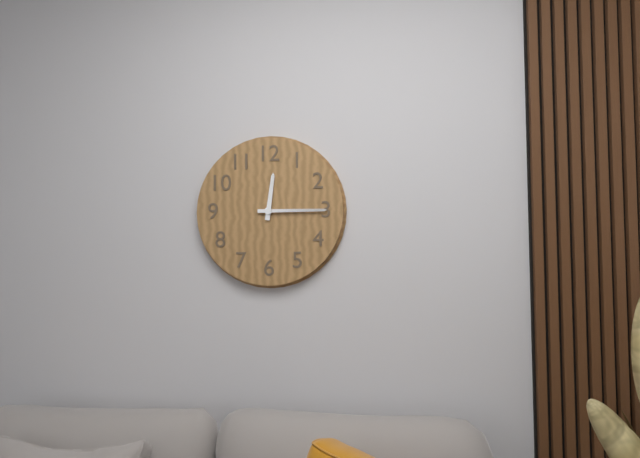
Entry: h=12 m=15
